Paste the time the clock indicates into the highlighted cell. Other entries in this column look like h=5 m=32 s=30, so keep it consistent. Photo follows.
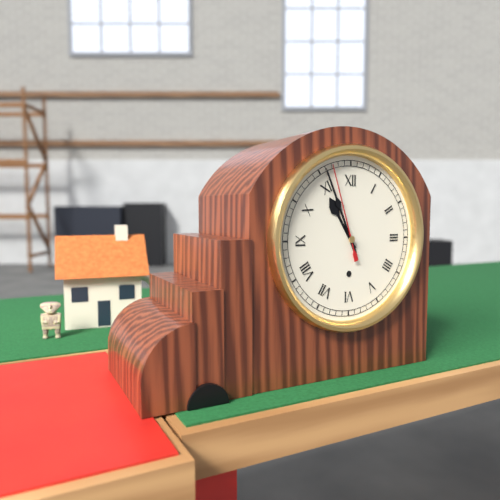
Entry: h=10 m=56 s=57
